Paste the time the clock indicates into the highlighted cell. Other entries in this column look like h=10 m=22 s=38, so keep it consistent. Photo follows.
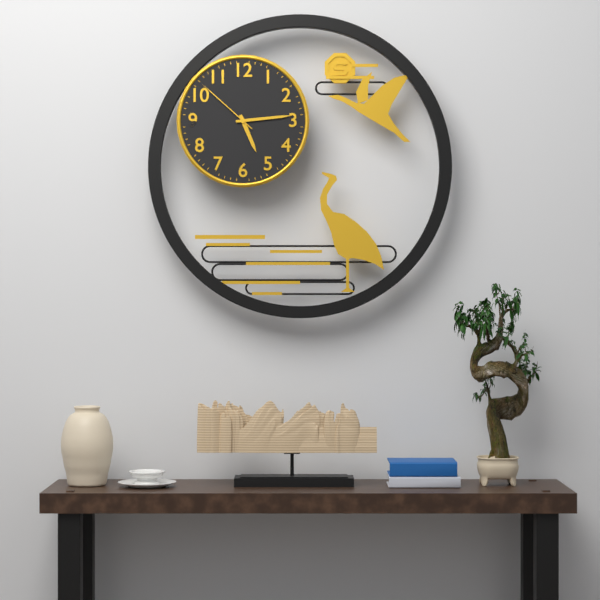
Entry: h=5 m=14 s=52
